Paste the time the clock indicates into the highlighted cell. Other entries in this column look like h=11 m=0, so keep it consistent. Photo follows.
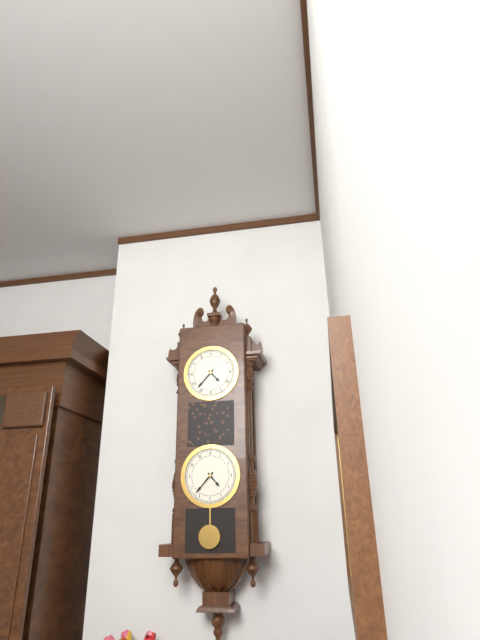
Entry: h=4 m=37
